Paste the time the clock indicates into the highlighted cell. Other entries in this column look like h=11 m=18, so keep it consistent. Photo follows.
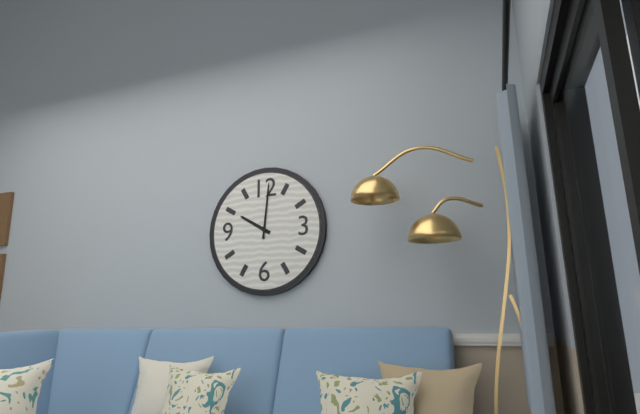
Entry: h=10 m=1
